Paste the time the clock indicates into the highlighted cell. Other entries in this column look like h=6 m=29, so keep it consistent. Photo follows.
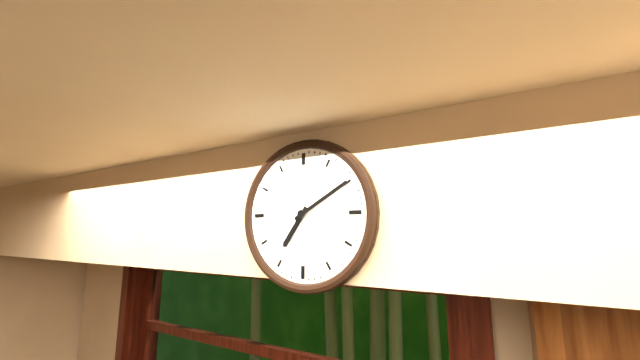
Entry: h=7 m=10
